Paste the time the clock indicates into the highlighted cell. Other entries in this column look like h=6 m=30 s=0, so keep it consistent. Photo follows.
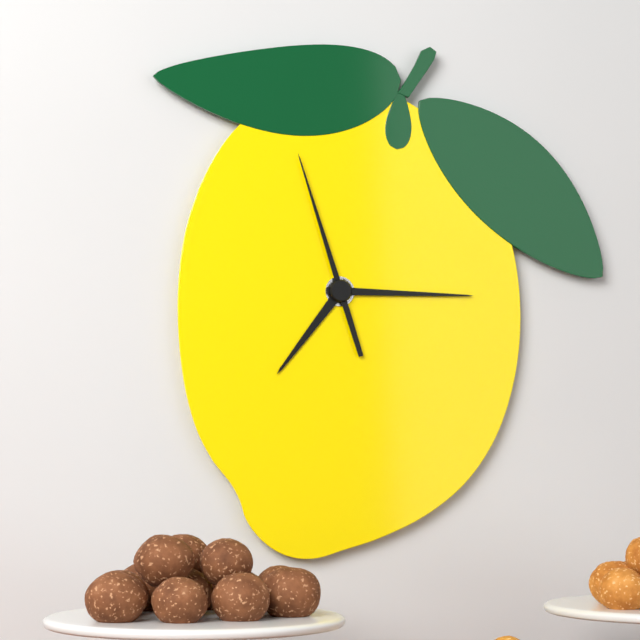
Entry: h=7 m=15 s=57
